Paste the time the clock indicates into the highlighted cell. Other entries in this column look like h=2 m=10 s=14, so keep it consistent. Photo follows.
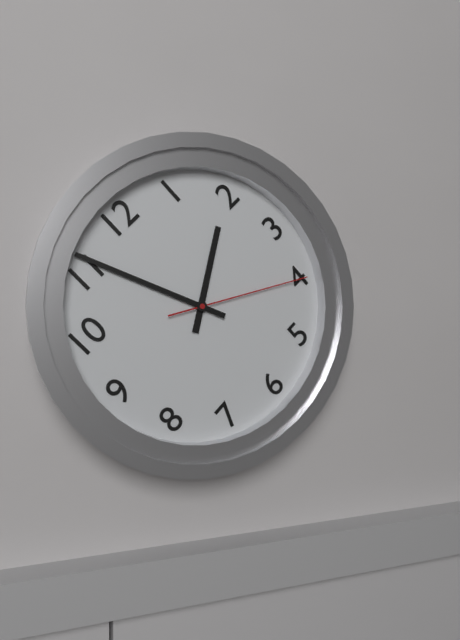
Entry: h=1 m=56 s=20
